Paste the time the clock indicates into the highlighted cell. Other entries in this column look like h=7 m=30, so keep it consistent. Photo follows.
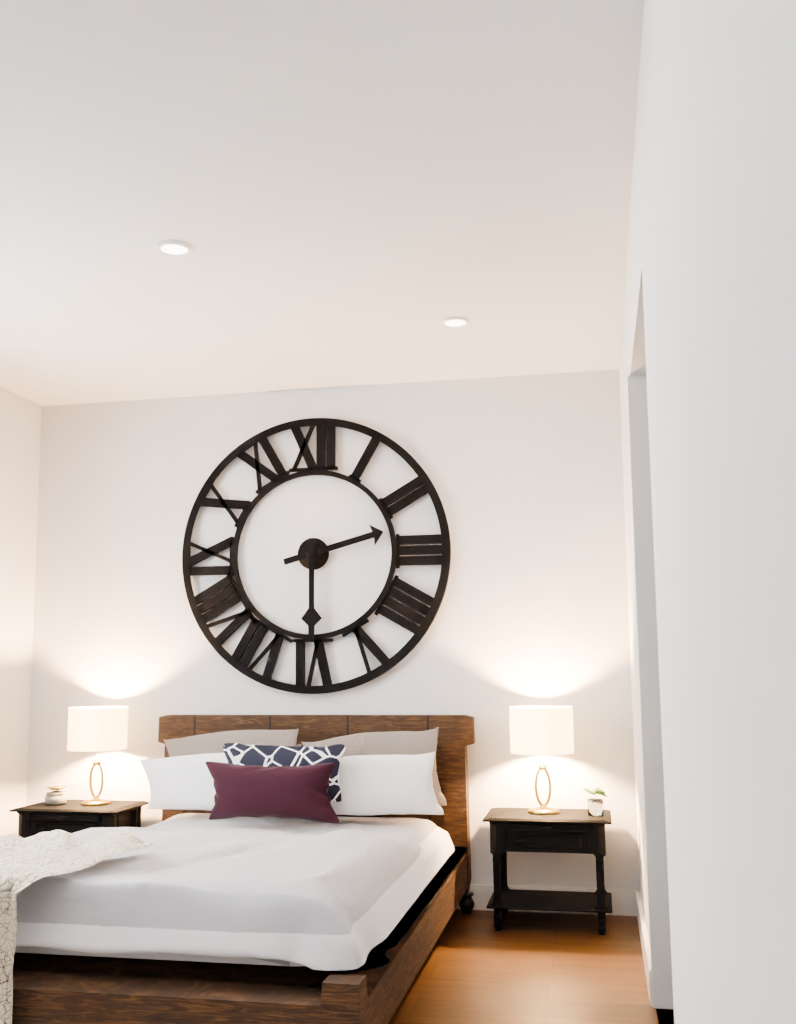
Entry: h=2 m=30
